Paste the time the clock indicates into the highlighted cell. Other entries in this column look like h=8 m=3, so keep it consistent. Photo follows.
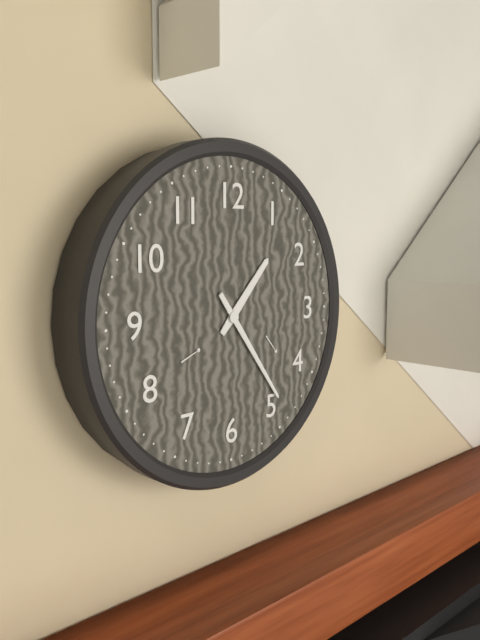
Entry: h=1 m=24
